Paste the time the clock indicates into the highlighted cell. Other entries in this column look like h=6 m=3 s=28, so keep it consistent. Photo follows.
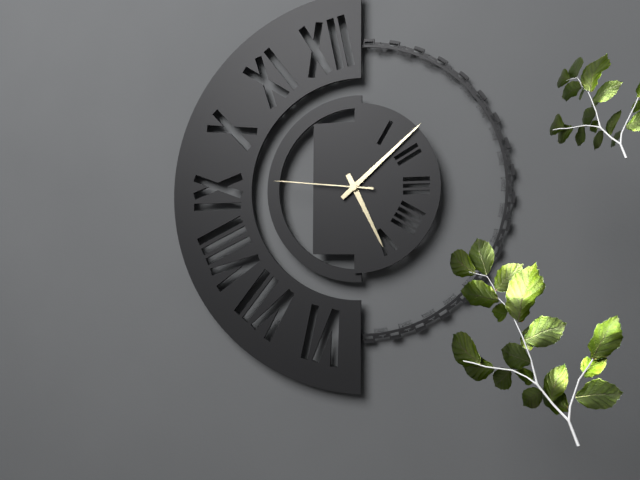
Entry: h=5 m=8 s=46
